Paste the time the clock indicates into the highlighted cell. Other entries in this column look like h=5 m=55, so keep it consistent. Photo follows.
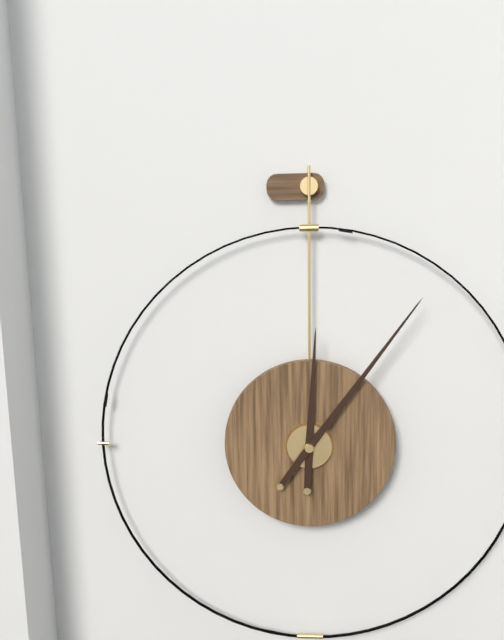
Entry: h=12 m=6
